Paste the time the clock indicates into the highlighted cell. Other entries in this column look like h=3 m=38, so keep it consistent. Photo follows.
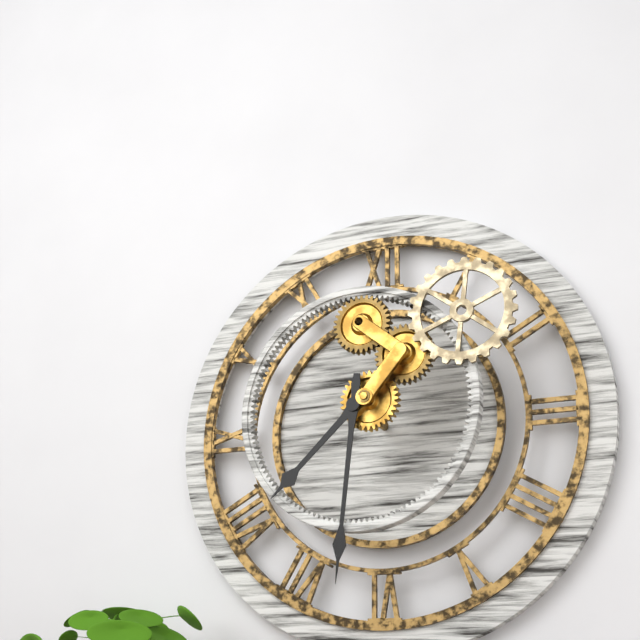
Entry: h=7 m=31
